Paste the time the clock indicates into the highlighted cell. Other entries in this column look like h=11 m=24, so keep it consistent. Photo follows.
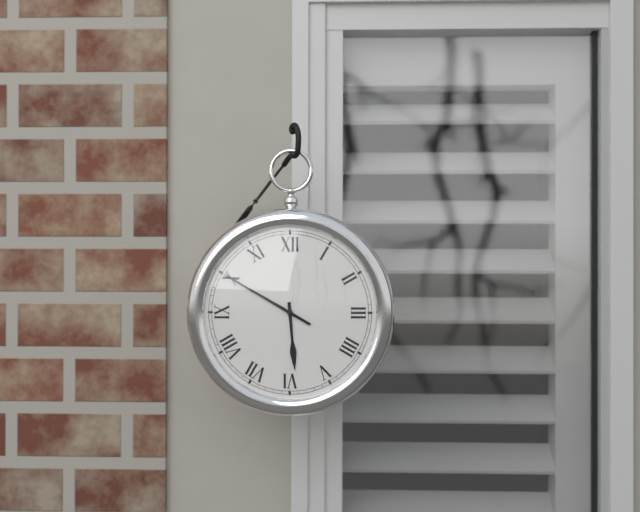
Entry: h=5 m=50
